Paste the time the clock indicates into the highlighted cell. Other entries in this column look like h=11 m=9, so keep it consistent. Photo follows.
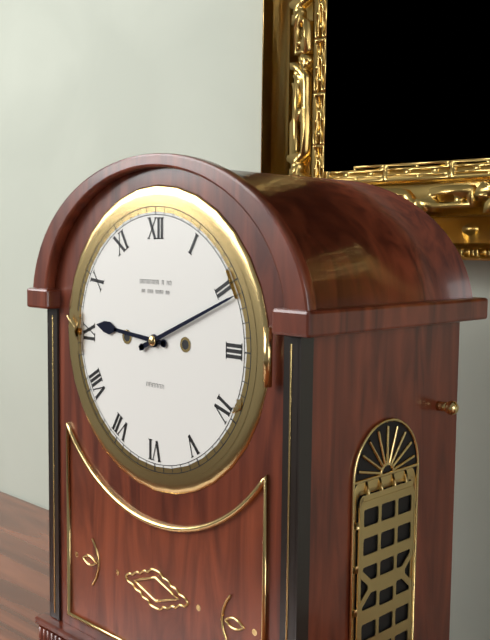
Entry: h=9 m=11
